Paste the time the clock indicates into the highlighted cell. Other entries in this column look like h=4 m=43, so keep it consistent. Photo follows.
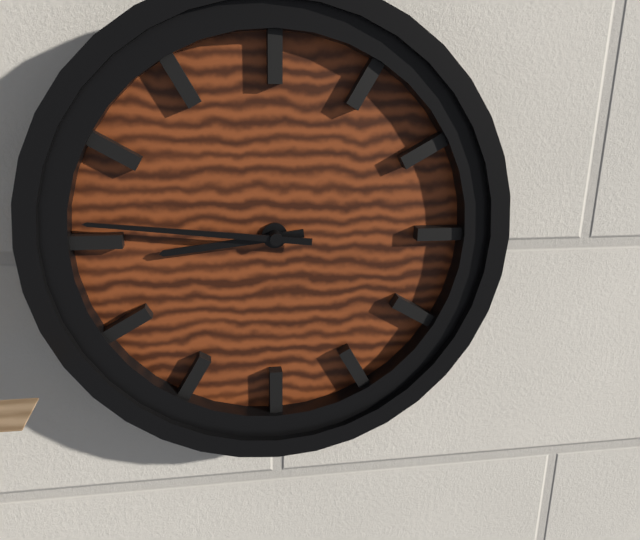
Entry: h=8 m=46
